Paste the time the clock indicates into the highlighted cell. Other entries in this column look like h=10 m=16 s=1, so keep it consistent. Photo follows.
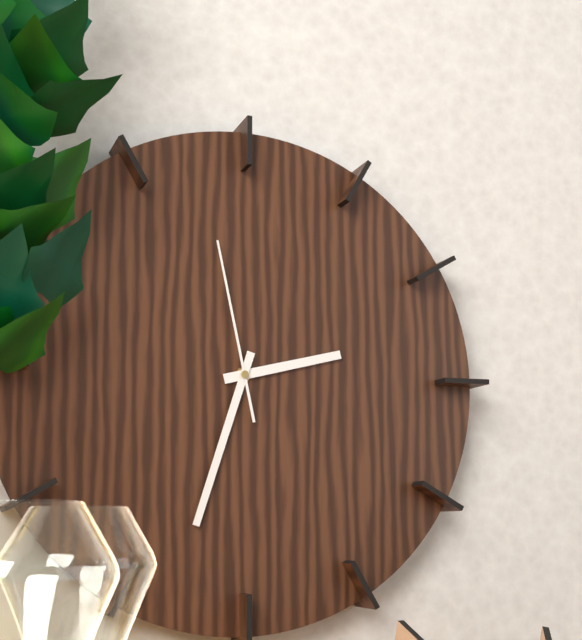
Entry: h=2 m=33 s=58
